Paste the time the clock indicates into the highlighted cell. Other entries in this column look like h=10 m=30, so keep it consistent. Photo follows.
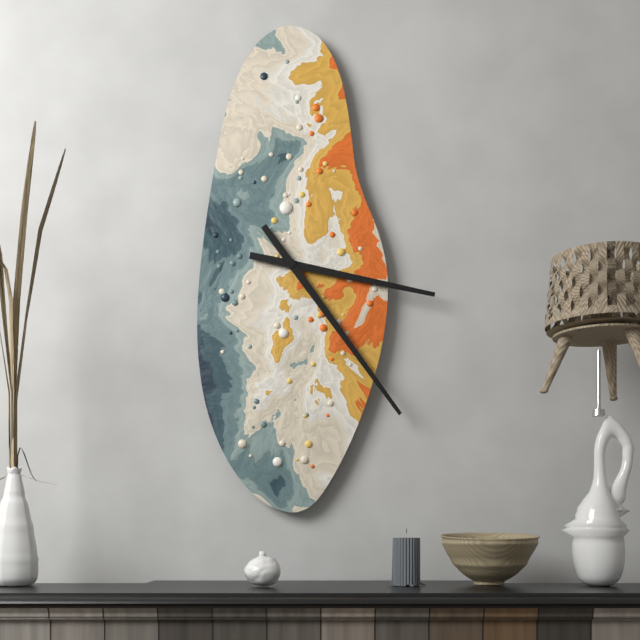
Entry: h=3 m=24
